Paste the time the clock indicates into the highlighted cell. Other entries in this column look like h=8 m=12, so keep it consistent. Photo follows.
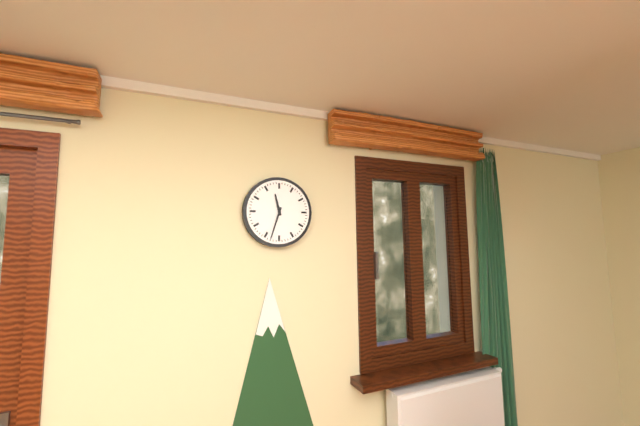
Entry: h=11 m=33
